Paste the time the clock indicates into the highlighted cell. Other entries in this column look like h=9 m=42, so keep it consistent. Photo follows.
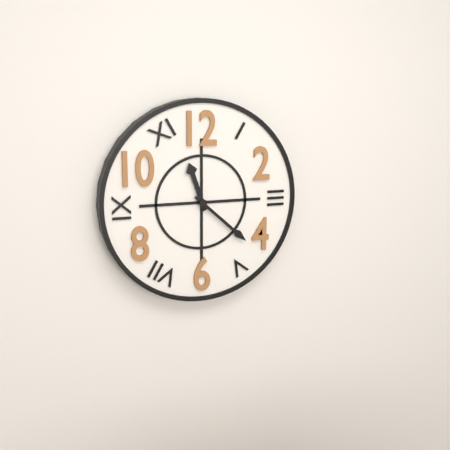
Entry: h=11 m=22
